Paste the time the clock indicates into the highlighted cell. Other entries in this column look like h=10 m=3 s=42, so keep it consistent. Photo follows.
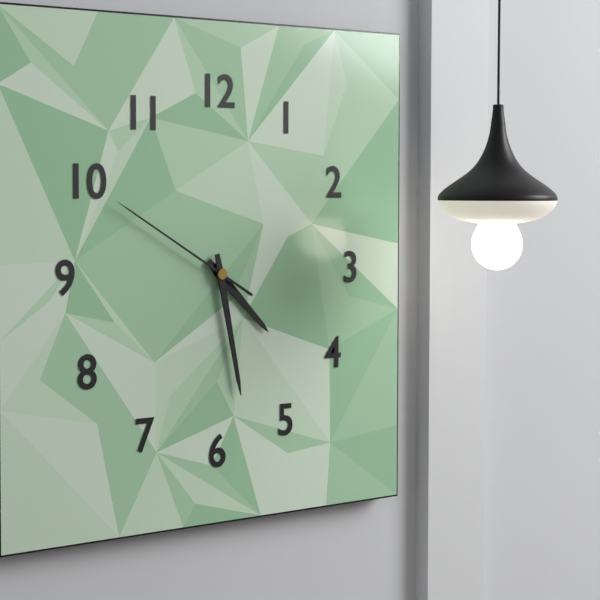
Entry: h=4 m=28 s=50
